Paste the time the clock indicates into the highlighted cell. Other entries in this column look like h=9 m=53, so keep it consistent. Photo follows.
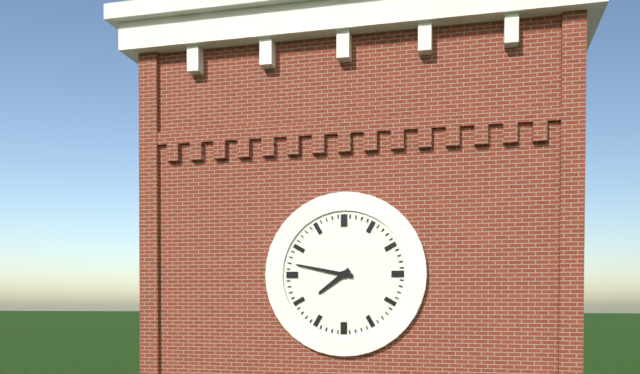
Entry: h=7 m=47
